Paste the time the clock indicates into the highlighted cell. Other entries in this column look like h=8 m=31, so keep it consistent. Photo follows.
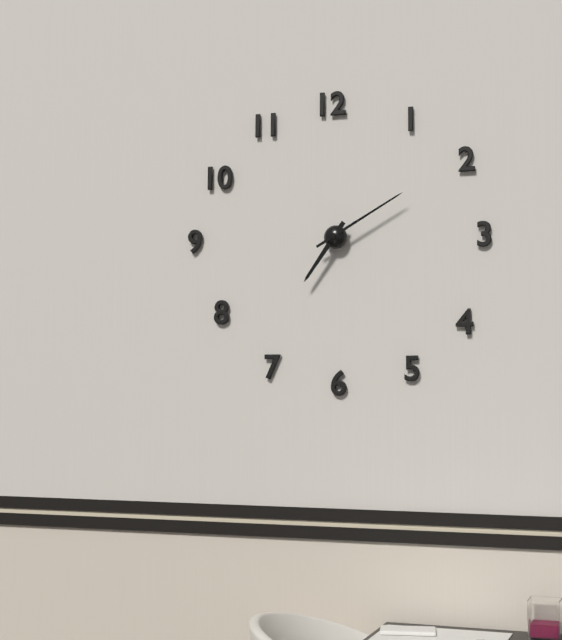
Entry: h=7 m=10
